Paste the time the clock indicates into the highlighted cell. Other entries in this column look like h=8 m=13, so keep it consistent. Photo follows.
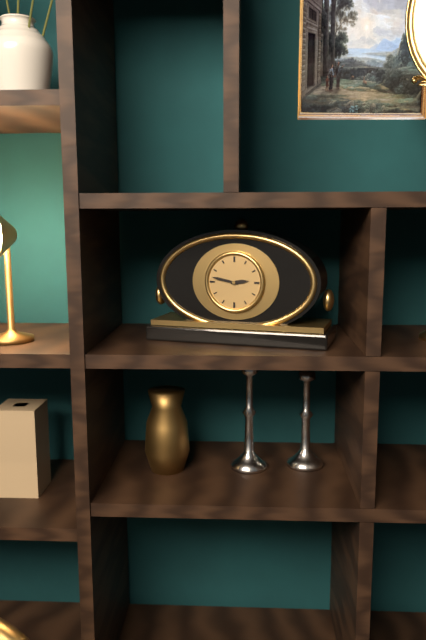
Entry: h=2 m=47
